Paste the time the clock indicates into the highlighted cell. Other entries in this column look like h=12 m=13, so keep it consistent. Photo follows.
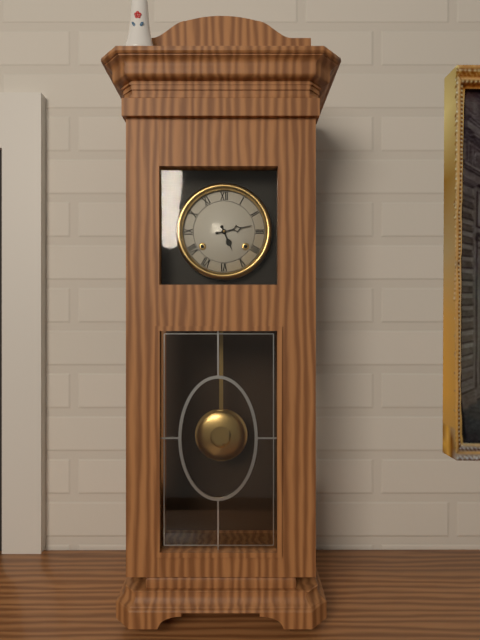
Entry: h=5 m=13
